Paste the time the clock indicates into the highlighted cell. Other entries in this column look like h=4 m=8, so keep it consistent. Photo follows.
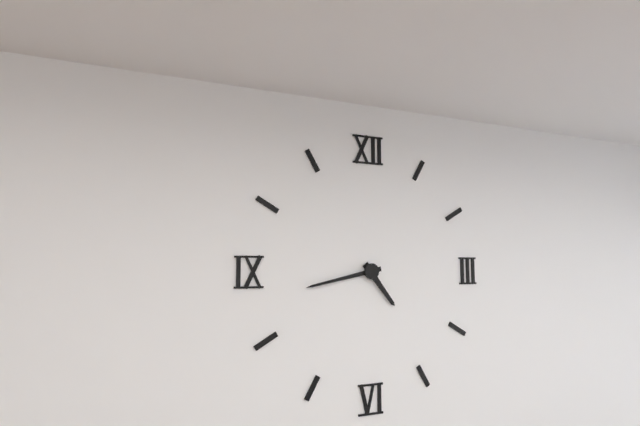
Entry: h=4 m=43
